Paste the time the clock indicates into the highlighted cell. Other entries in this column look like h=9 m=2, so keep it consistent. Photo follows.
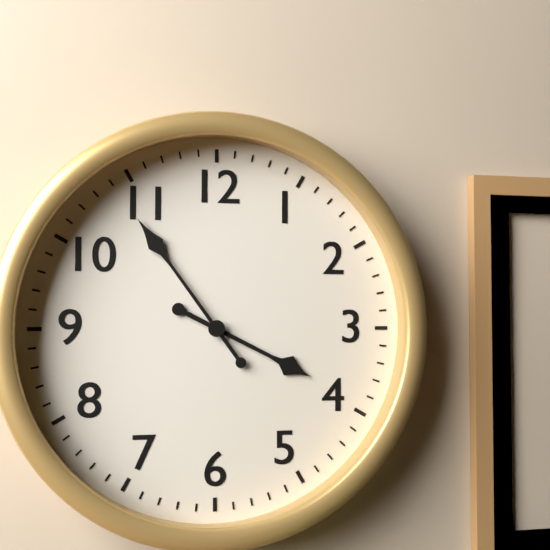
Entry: h=3 m=54
